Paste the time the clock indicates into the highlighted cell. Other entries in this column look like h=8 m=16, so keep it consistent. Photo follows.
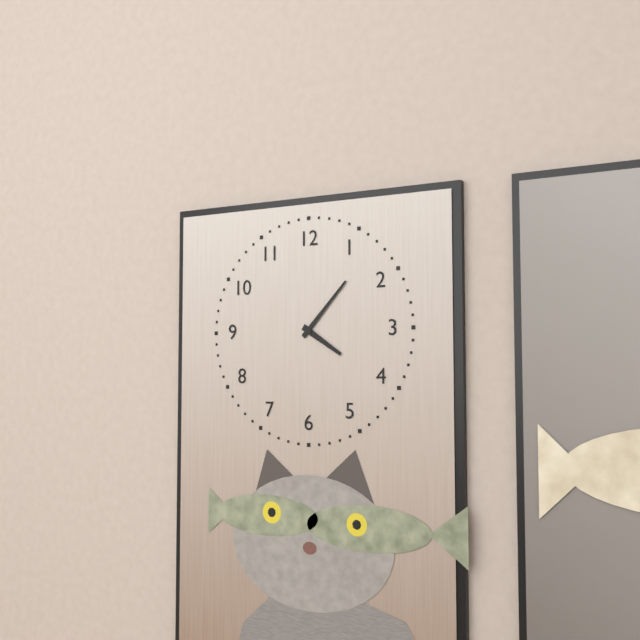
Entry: h=4 m=7
